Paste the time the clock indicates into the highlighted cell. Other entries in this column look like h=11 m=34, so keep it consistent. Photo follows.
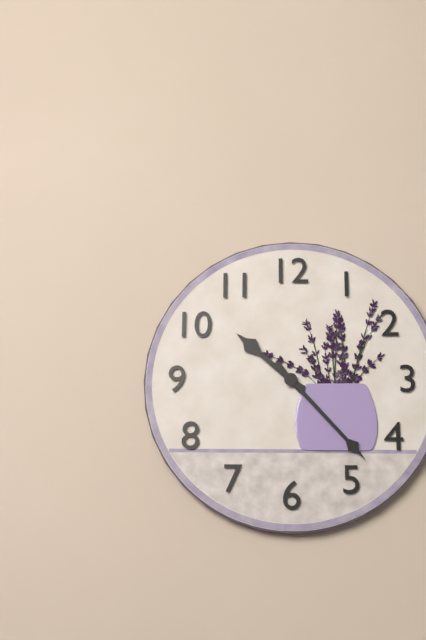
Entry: h=10 m=23
